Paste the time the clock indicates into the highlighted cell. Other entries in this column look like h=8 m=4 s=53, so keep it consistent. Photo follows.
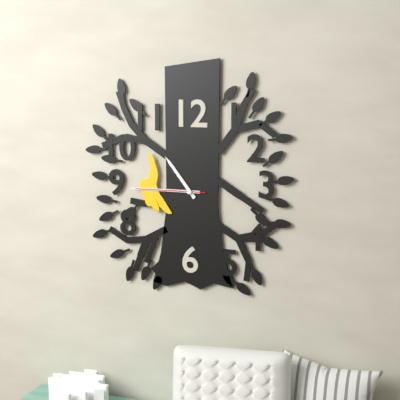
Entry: h=10 m=45 s=45
